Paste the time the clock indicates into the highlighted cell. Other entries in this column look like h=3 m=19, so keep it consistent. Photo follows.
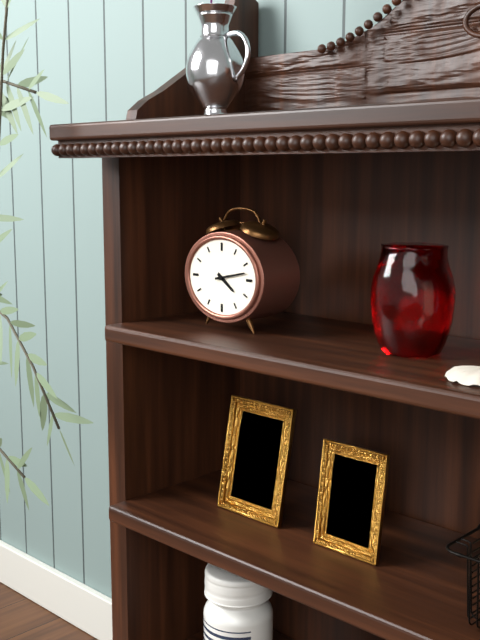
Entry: h=4 m=13
